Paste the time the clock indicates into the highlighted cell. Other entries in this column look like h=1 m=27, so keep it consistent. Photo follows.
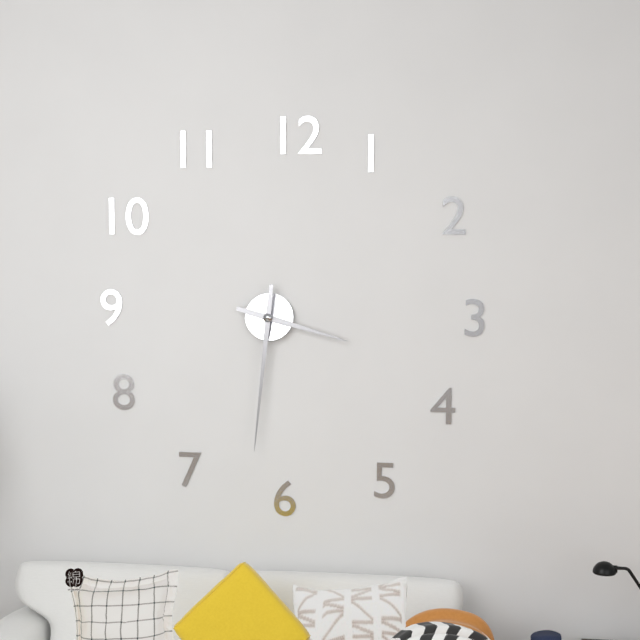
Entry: h=3 m=31
